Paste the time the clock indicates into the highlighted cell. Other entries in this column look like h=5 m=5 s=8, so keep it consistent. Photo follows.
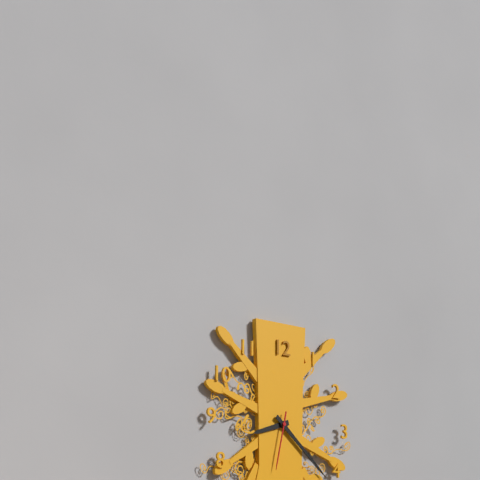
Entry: h=8 m=22 s=32
